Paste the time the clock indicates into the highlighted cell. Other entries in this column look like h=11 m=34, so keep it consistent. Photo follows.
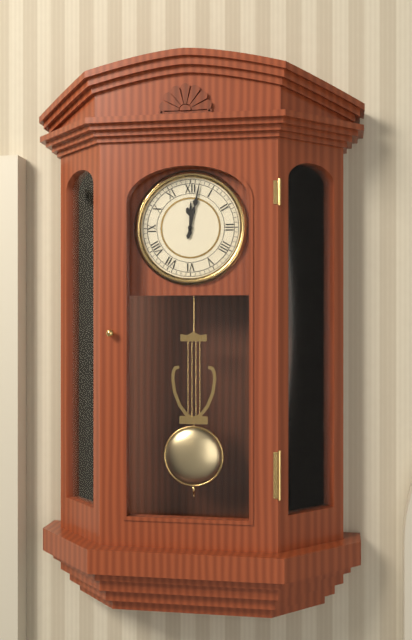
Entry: h=12 m=2
